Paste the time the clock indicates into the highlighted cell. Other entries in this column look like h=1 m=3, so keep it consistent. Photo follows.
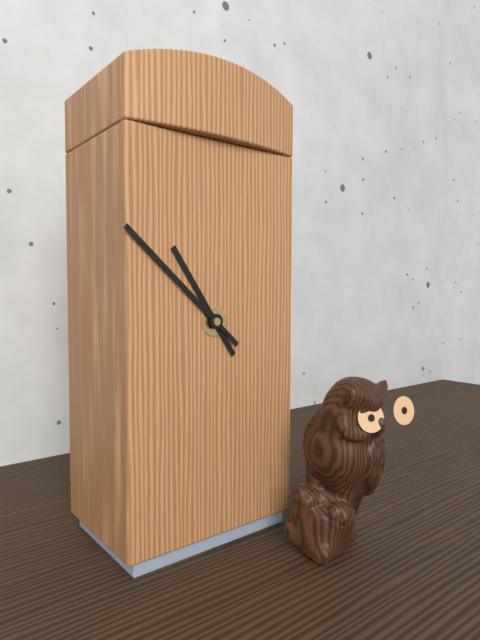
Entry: h=10 m=52
